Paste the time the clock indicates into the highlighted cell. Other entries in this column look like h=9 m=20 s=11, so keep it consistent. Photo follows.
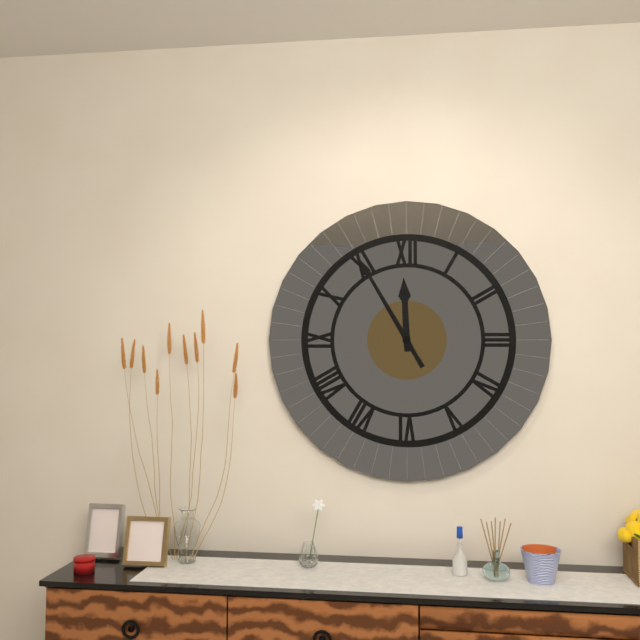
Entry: h=11 m=55 s=55
